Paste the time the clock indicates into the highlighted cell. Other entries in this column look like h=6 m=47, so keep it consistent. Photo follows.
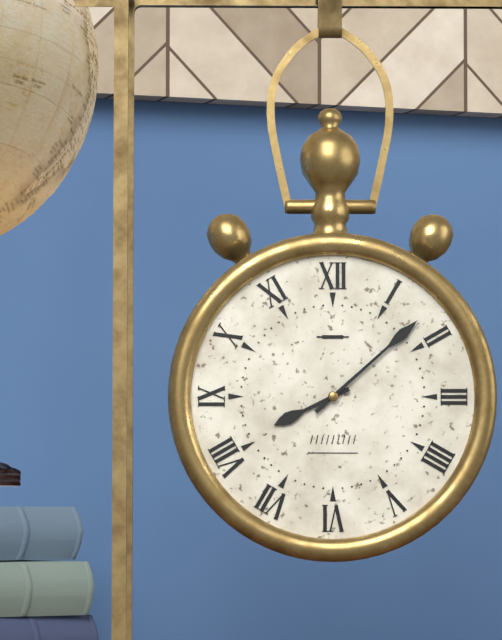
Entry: h=8 m=8
